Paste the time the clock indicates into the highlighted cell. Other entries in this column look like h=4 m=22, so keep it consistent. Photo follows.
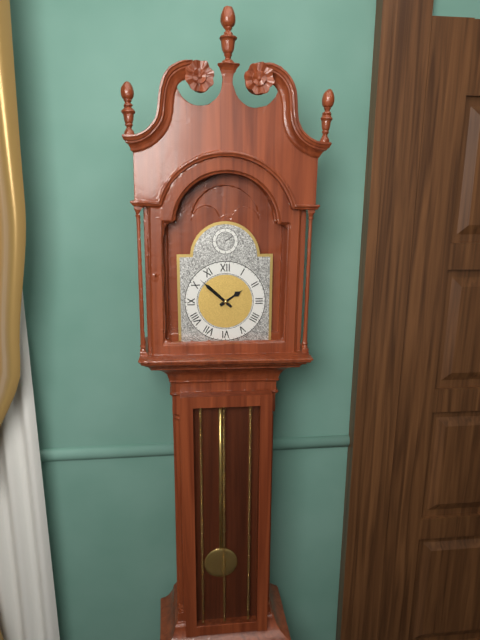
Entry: h=1 m=52
